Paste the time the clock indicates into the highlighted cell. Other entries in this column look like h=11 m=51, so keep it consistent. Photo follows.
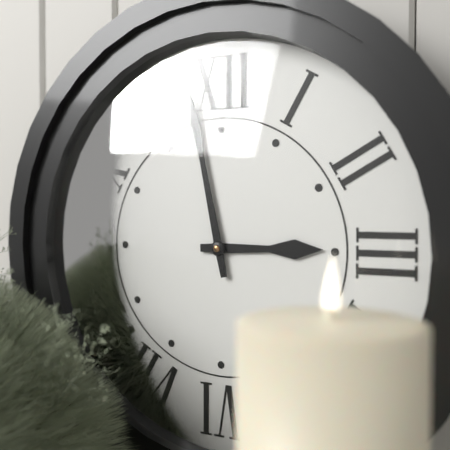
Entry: h=2 m=58
